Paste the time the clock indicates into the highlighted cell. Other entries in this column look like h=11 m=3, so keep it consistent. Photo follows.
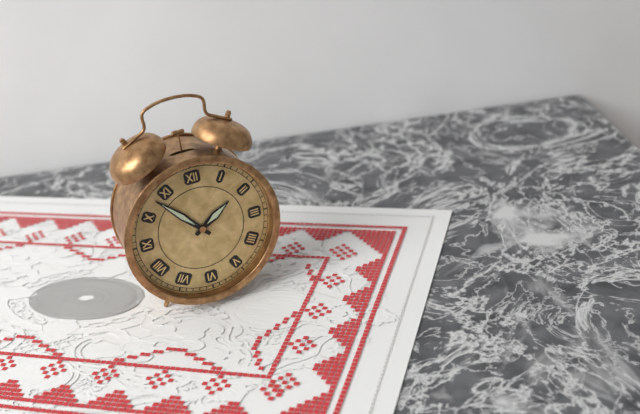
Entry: h=1 m=53
